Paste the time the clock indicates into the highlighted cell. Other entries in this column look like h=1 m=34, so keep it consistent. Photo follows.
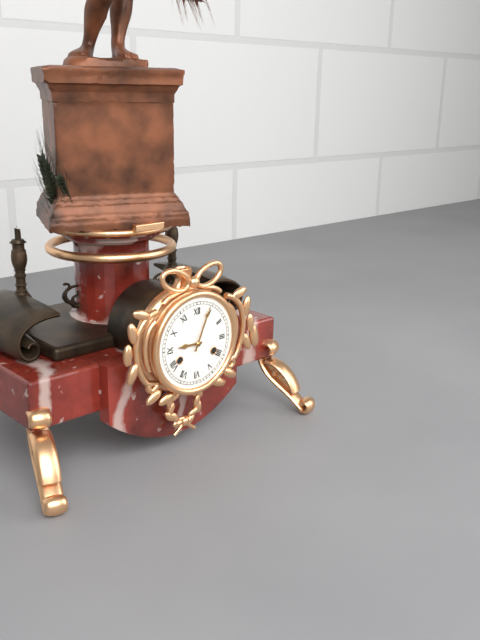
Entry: h=9 m=4
